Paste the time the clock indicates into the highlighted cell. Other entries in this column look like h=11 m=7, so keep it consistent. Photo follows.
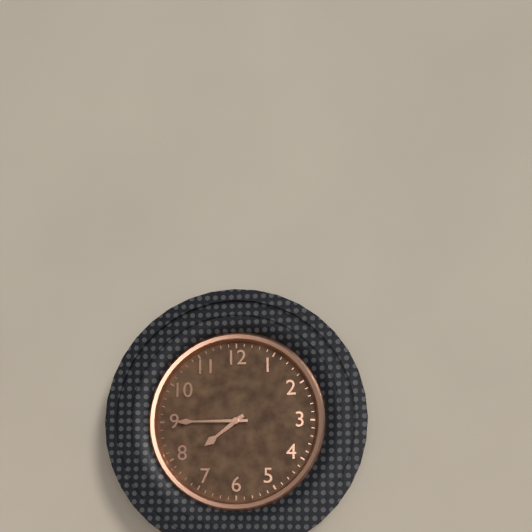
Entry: h=7 m=45
